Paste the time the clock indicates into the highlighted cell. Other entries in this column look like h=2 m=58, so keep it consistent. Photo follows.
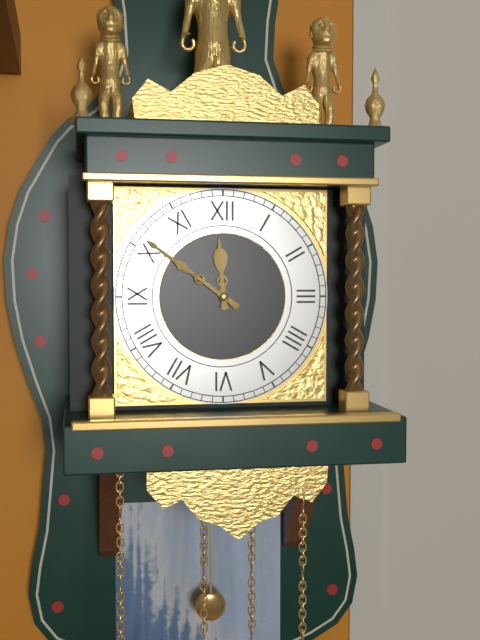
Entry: h=11 m=51
